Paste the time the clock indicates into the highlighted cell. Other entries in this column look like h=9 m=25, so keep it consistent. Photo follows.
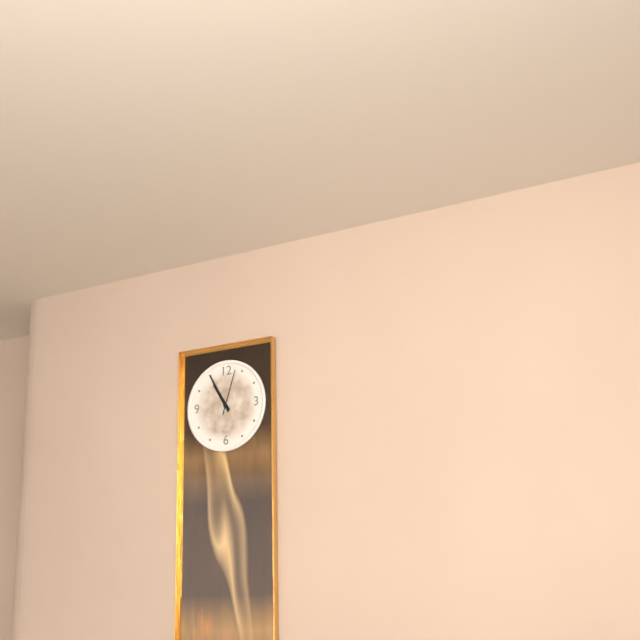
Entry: h=10 m=55
